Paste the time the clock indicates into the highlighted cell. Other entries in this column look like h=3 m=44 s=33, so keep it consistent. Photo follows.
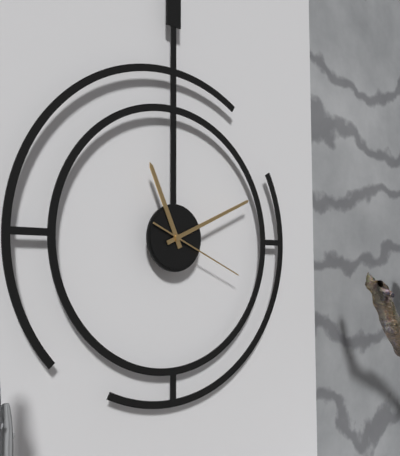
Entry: h=11 m=11 s=19
